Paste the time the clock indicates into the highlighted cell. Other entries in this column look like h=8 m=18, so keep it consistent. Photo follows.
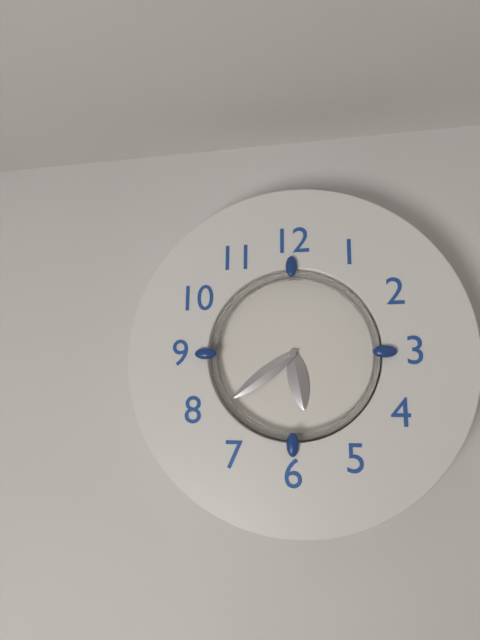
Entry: h=5 m=39
